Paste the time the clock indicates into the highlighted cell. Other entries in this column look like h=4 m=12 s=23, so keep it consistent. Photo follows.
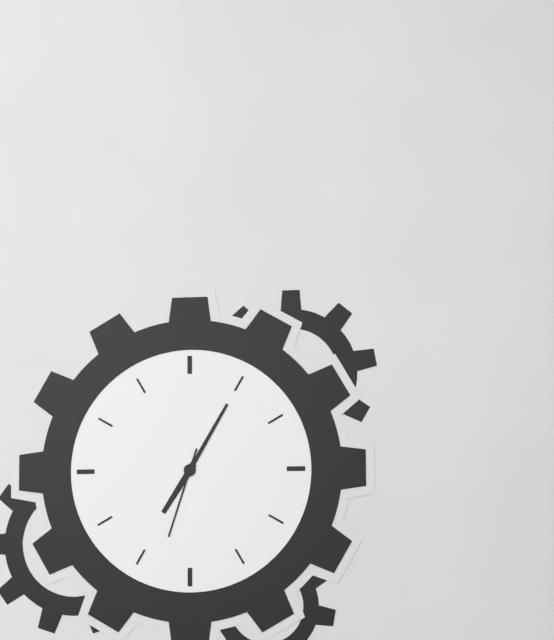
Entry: h=7 m=5 s=33
